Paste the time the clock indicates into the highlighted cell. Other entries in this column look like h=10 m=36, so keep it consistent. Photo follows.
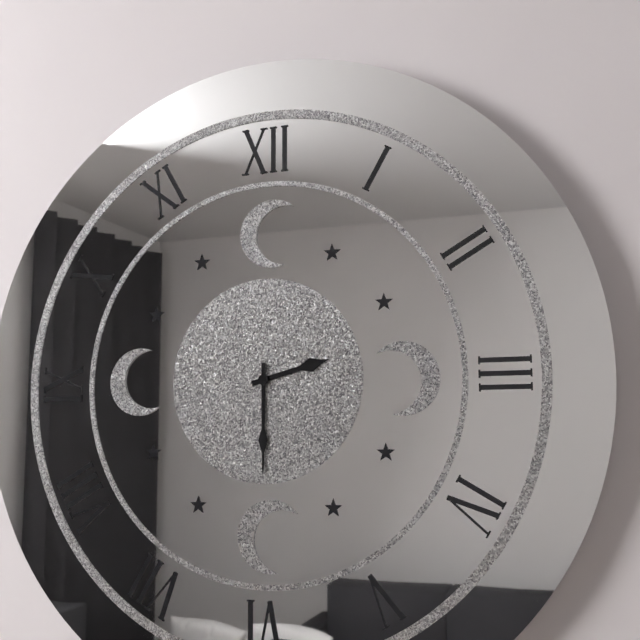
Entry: h=2 m=30
